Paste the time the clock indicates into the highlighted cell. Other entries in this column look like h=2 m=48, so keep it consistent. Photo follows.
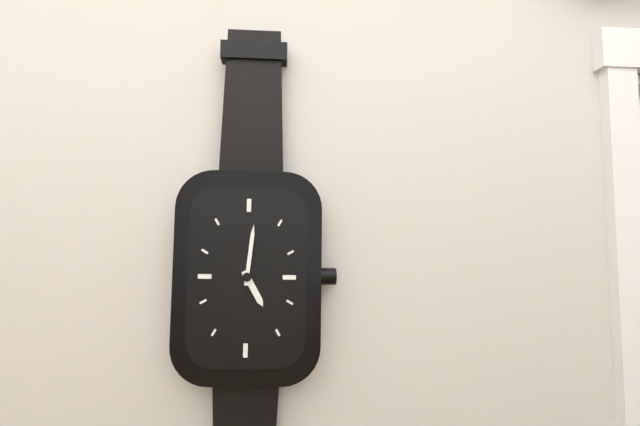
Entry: h=5 m=1
